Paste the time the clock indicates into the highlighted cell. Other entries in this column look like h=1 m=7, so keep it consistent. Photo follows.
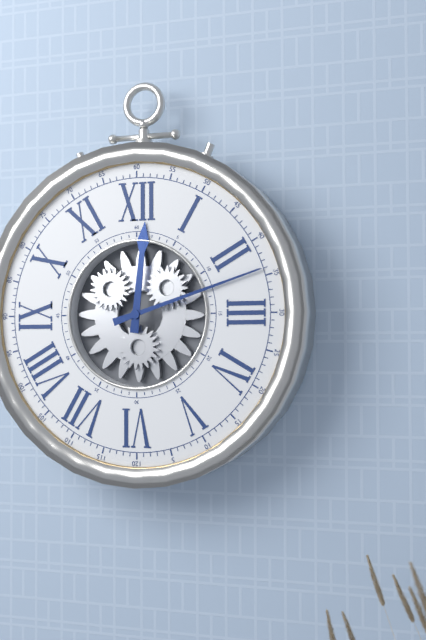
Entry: h=12 m=12
